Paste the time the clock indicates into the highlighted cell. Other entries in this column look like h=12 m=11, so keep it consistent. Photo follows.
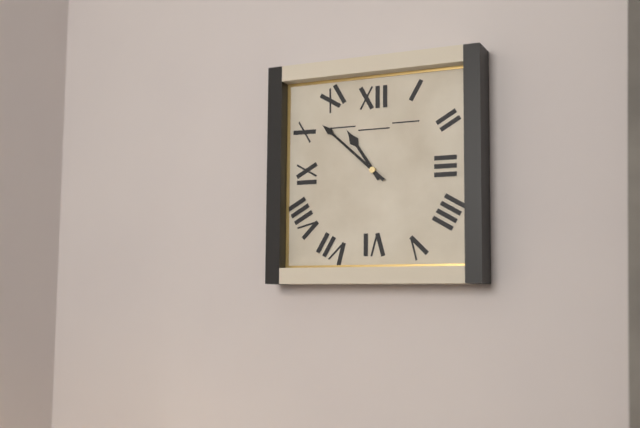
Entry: h=10 m=52
